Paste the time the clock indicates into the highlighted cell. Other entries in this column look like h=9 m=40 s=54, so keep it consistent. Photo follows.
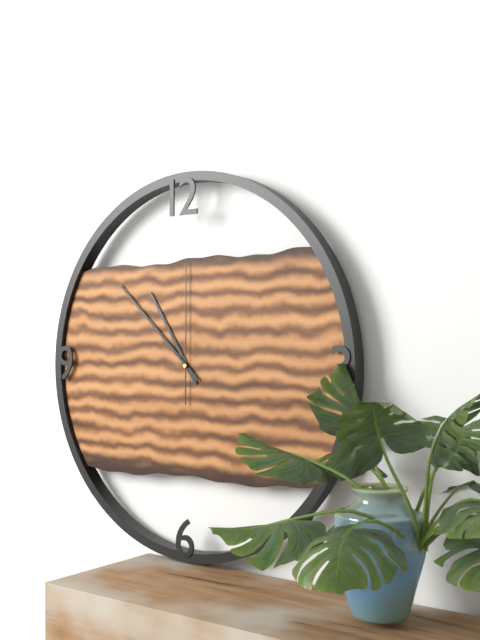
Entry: h=10 m=52 s=0
